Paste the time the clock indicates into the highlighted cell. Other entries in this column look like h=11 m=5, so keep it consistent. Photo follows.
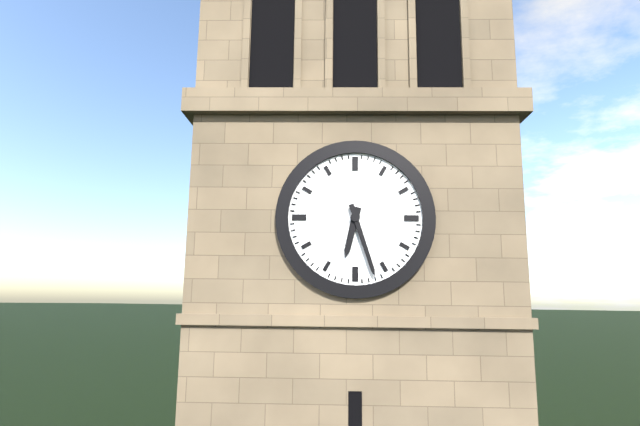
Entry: h=6 m=27
